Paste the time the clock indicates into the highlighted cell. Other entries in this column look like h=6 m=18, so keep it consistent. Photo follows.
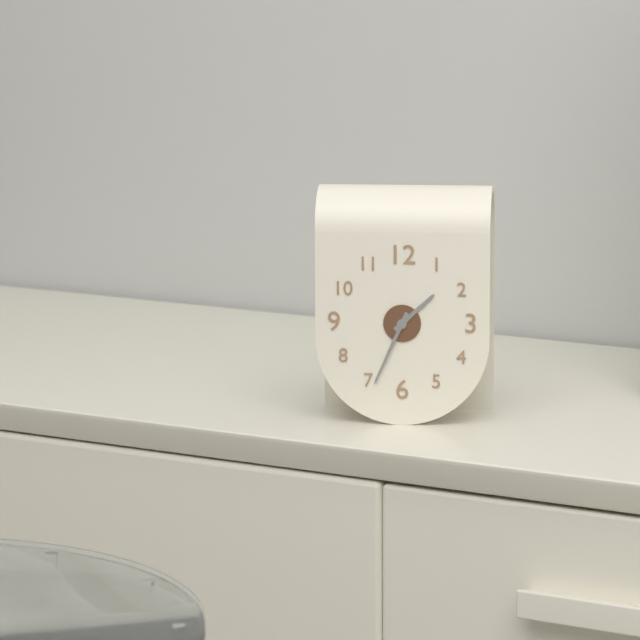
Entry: h=1 m=34
